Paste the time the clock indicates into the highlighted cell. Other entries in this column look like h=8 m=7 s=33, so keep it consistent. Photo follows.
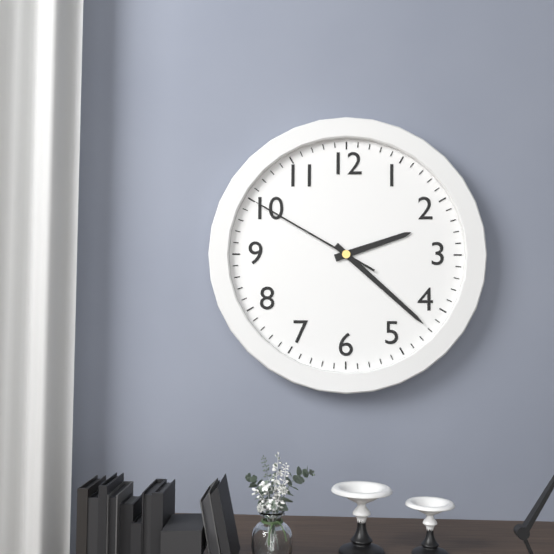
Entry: h=2 m=22 s=50
